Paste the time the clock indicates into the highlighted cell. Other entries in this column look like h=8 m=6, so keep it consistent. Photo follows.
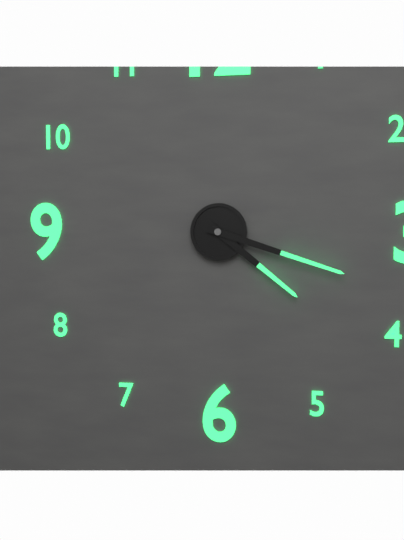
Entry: h=4 m=18
